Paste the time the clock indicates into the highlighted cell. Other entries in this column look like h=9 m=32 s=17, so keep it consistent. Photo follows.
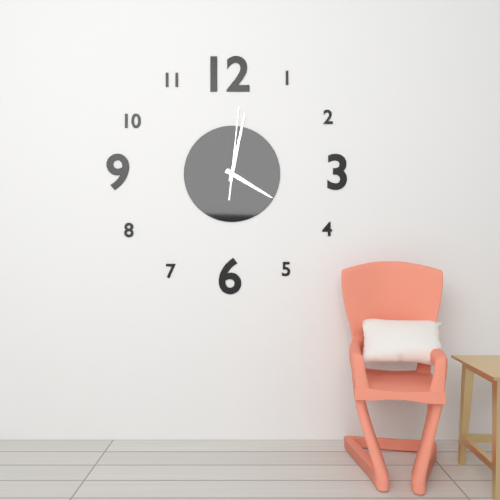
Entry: h=4 m=2 s=1
